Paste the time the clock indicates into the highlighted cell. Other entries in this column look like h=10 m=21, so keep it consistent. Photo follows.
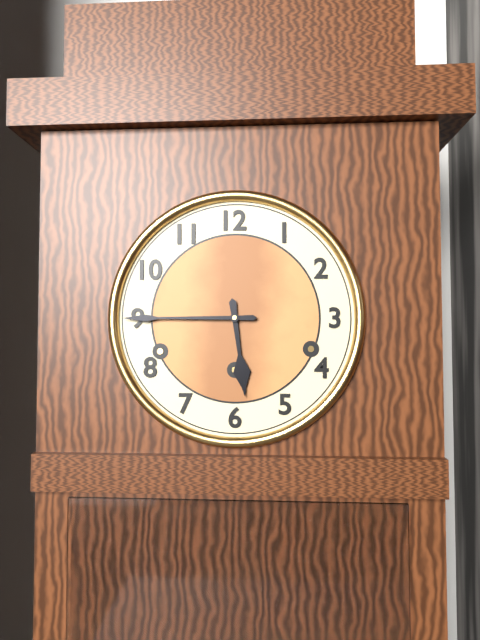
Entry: h=5 m=45
